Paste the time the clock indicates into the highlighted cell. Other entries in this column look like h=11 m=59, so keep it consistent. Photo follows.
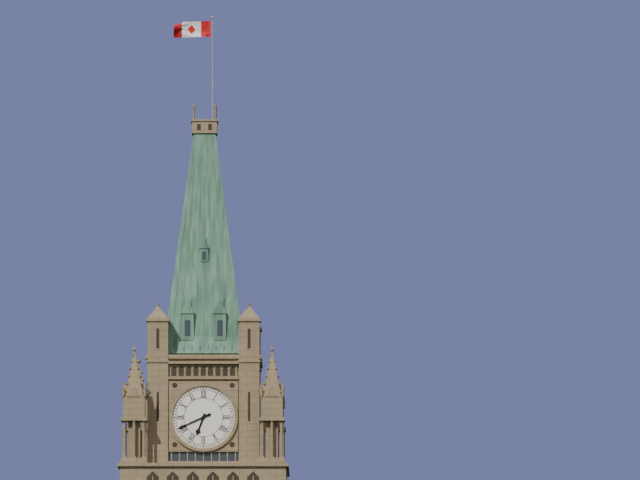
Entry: h=6 m=41
